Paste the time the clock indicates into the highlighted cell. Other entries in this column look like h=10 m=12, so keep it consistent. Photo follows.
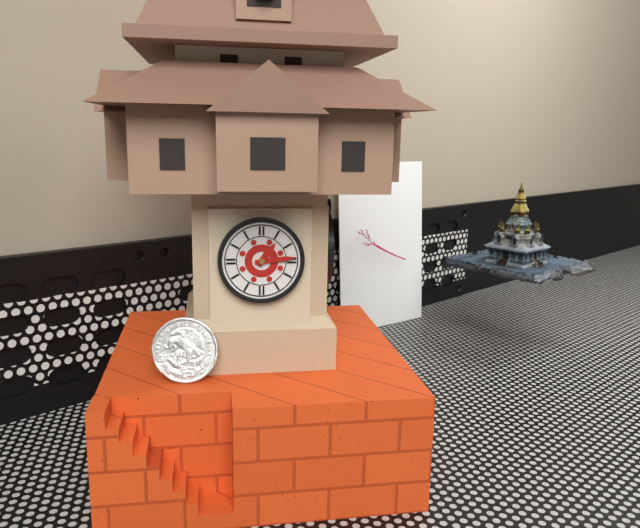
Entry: h=1 m=14
